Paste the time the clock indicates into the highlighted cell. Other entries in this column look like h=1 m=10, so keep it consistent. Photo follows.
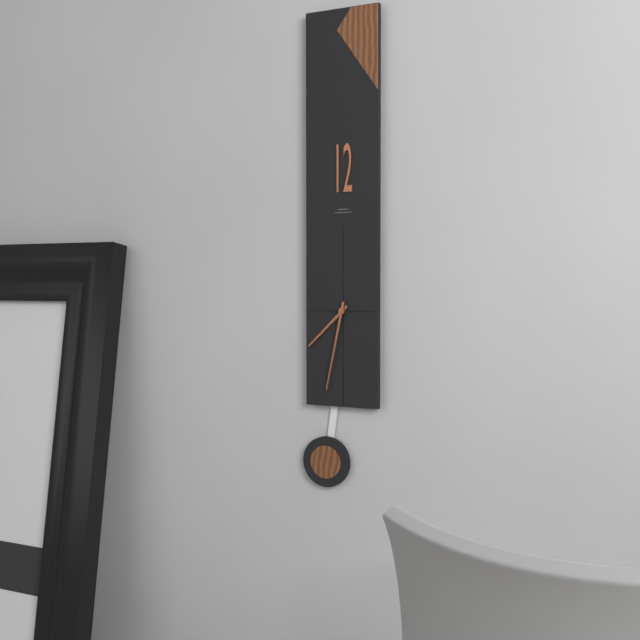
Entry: h=7 m=32
